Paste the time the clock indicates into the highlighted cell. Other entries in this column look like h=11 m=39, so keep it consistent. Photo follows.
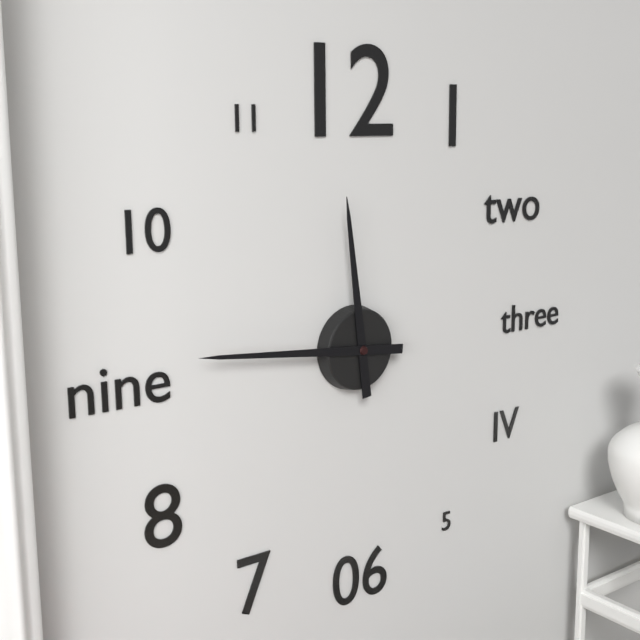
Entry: h=11 m=46
